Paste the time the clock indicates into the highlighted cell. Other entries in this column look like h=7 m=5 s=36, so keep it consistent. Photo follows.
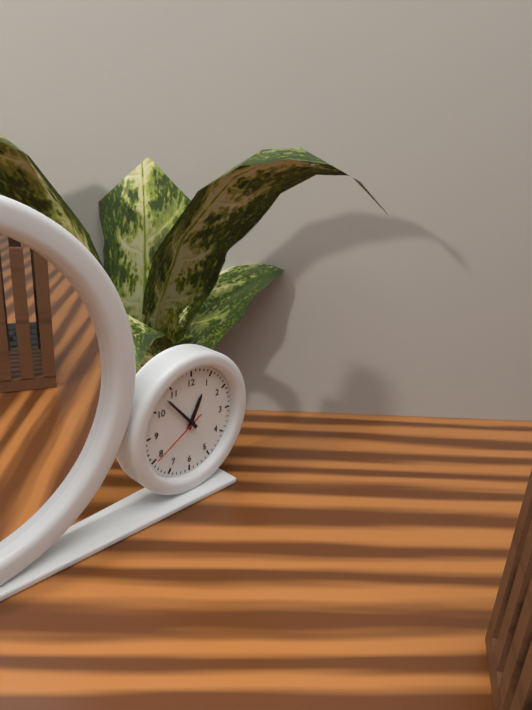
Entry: h=12 m=53 s=40
